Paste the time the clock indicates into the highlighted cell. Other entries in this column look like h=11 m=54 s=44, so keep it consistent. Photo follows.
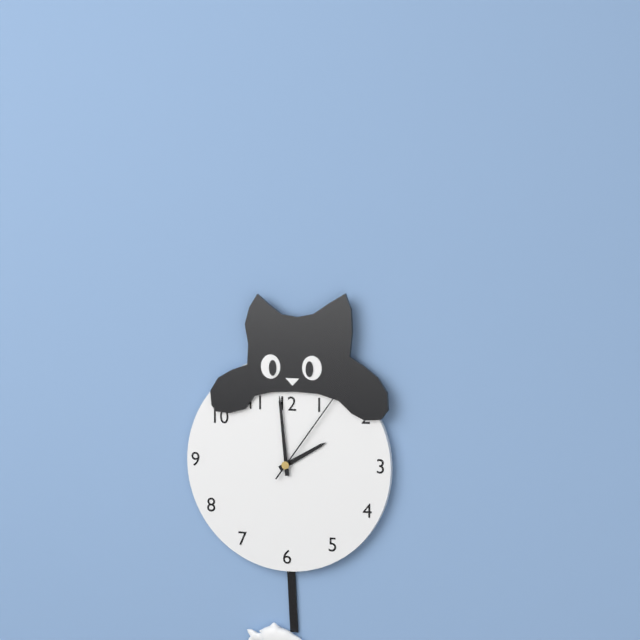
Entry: h=1 m=59 s=6
